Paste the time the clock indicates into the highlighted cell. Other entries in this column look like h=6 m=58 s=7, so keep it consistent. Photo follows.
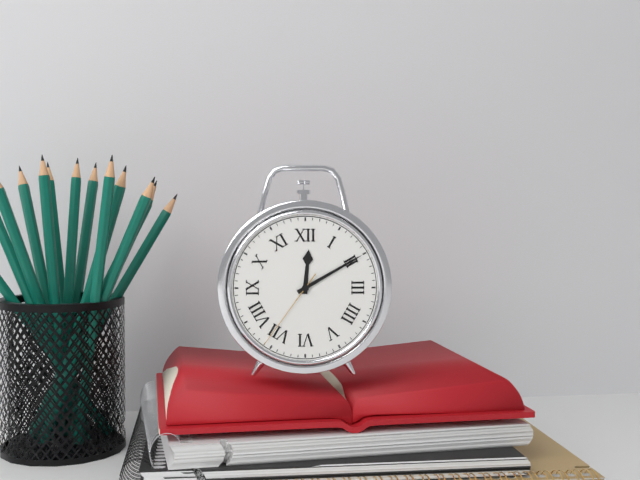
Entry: h=12 m=10 s=36
